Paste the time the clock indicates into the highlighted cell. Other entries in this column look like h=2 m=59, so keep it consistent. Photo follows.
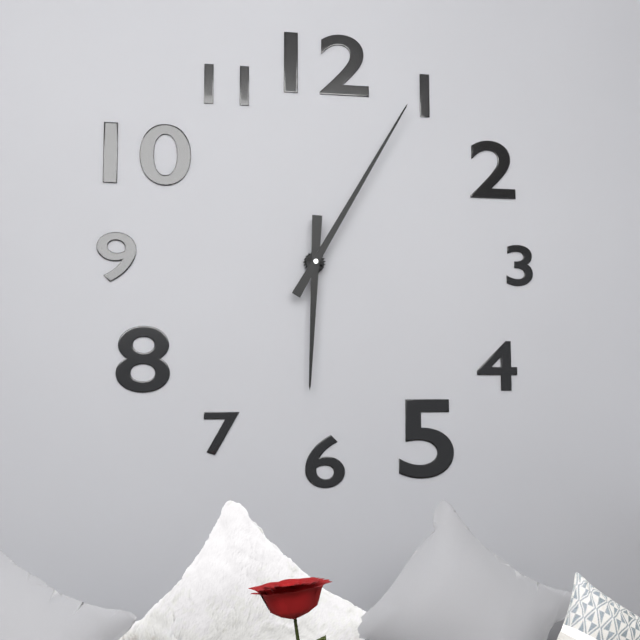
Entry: h=6 m=5
